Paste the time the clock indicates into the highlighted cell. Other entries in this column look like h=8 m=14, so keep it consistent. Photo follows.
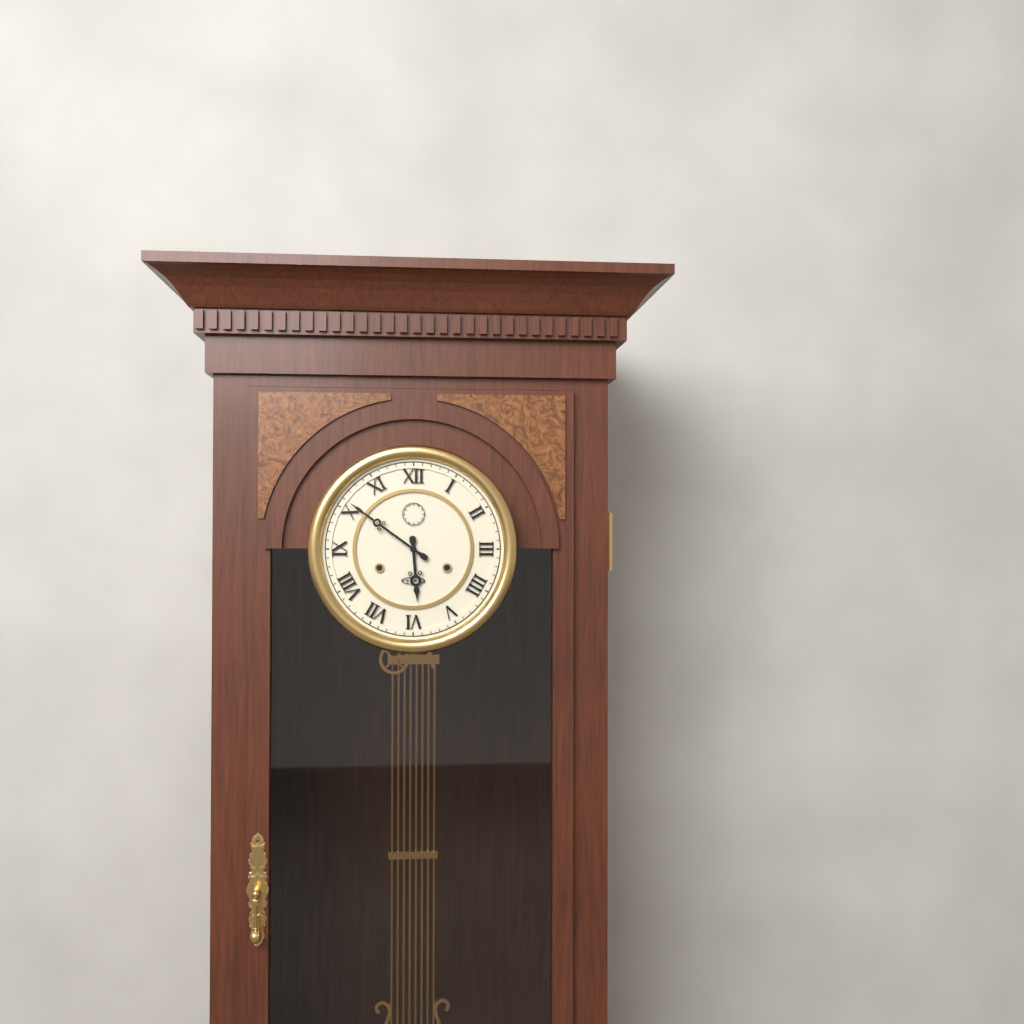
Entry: h=5 m=51
